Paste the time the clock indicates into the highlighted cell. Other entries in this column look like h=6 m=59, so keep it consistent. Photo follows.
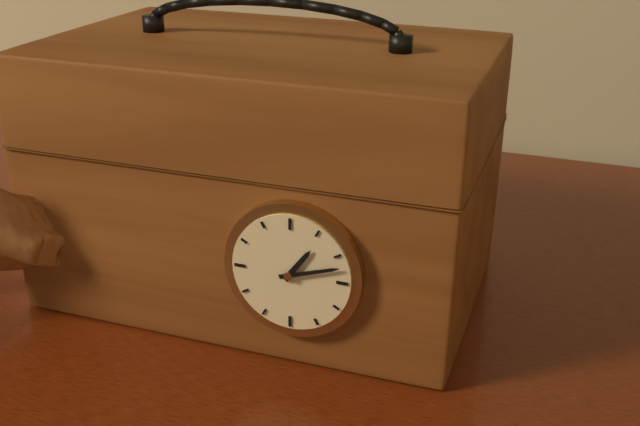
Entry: h=1 m=12
